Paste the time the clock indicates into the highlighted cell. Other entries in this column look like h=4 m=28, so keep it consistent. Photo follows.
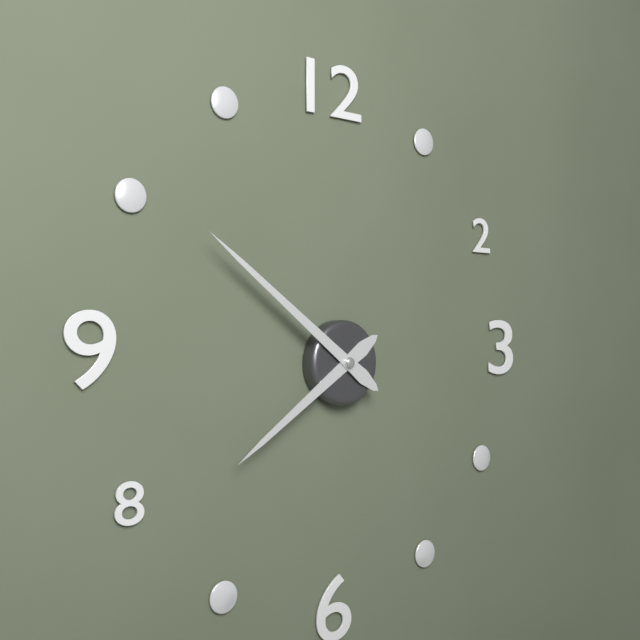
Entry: h=7 m=51
